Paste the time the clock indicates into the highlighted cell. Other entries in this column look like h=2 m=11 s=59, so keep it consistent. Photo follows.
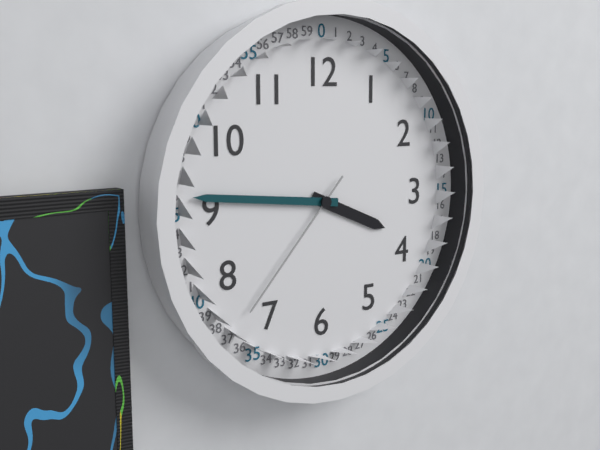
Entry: h=3 m=46 s=37
